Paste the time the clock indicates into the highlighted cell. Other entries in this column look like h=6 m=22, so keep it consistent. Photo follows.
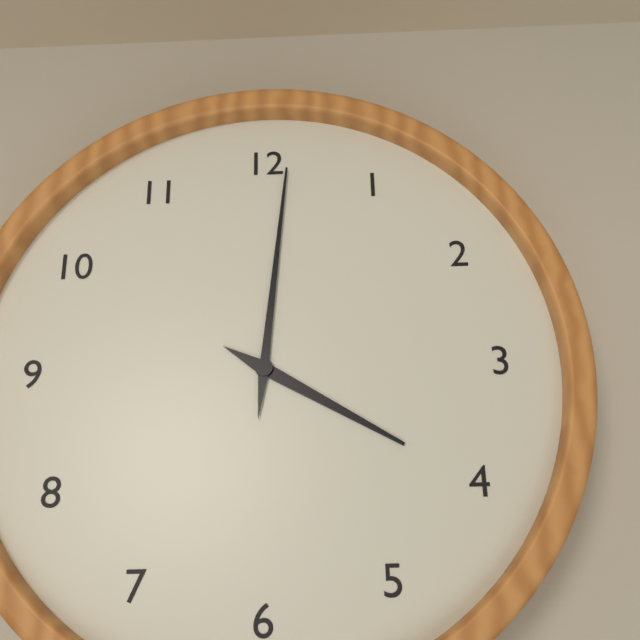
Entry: h=4 m=1
